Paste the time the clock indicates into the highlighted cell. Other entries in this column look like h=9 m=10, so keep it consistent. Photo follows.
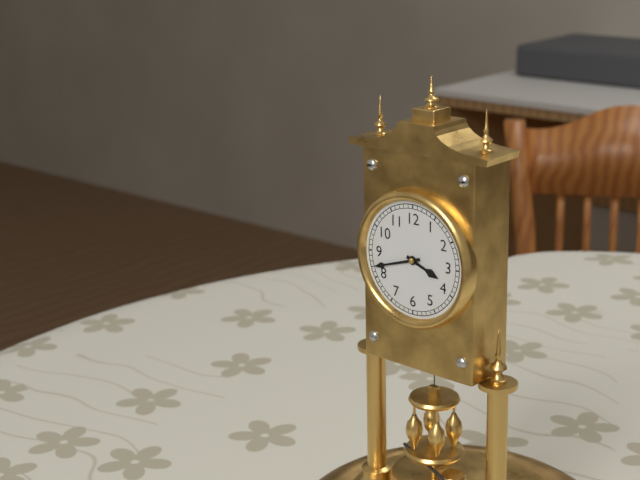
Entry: h=3 m=42
